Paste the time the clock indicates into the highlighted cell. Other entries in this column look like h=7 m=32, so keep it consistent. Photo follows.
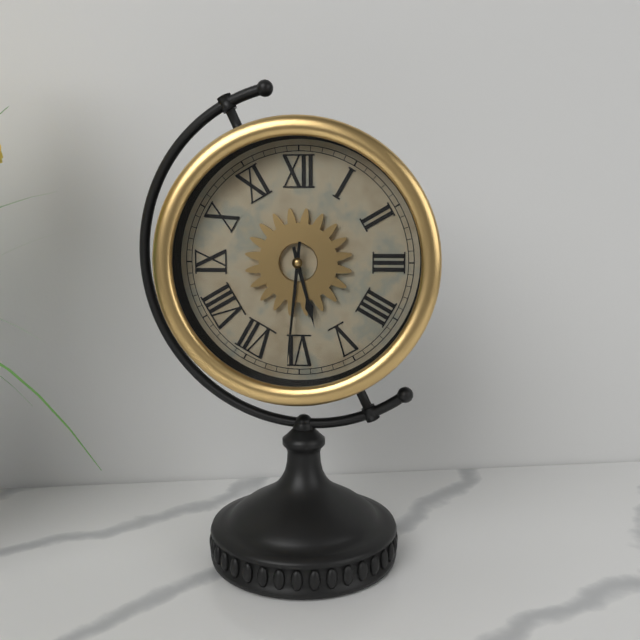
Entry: h=5 m=31
